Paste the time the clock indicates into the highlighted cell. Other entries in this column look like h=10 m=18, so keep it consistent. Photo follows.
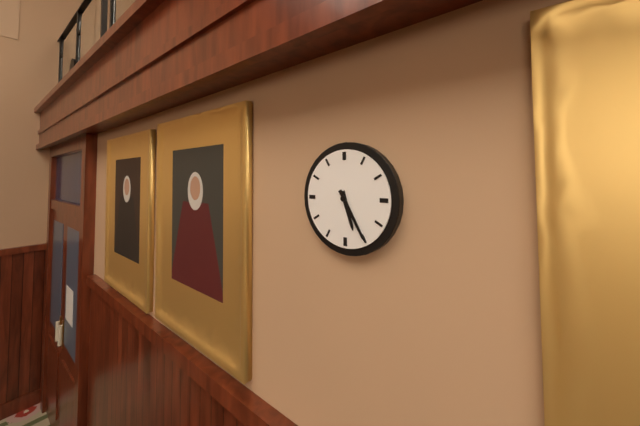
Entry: h=5 m=25
